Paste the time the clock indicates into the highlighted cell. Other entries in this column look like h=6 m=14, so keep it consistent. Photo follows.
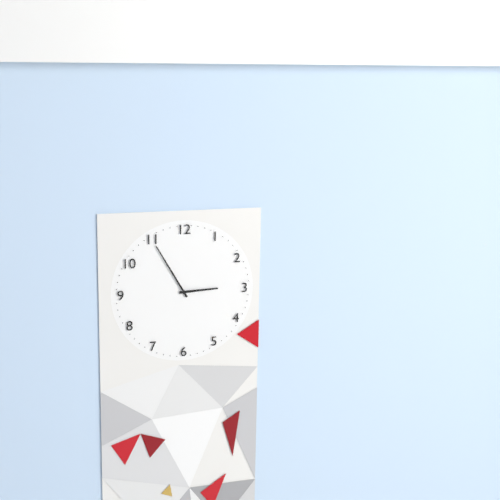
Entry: h=2 m=55
